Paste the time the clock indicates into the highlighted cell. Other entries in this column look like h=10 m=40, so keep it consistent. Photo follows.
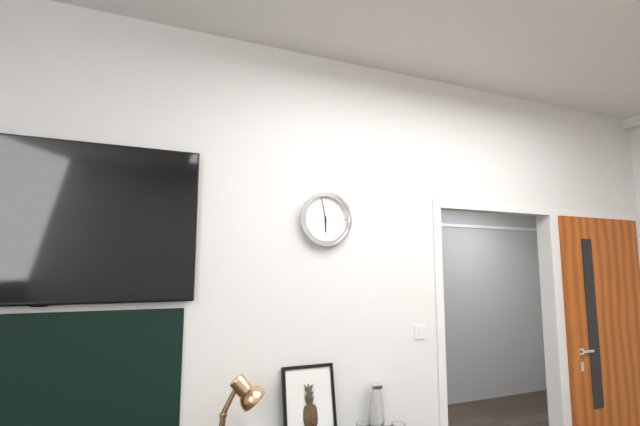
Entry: h=5 m=58
